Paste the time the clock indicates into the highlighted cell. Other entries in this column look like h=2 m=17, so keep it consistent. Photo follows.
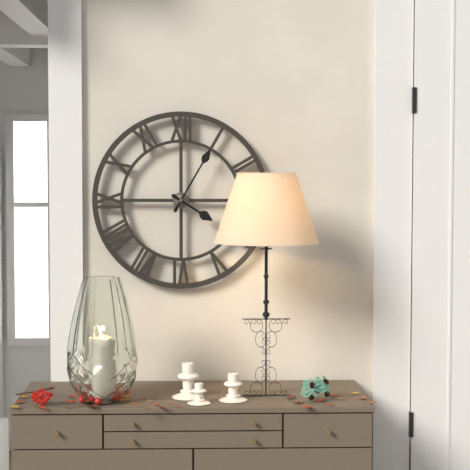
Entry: h=4 m=5
